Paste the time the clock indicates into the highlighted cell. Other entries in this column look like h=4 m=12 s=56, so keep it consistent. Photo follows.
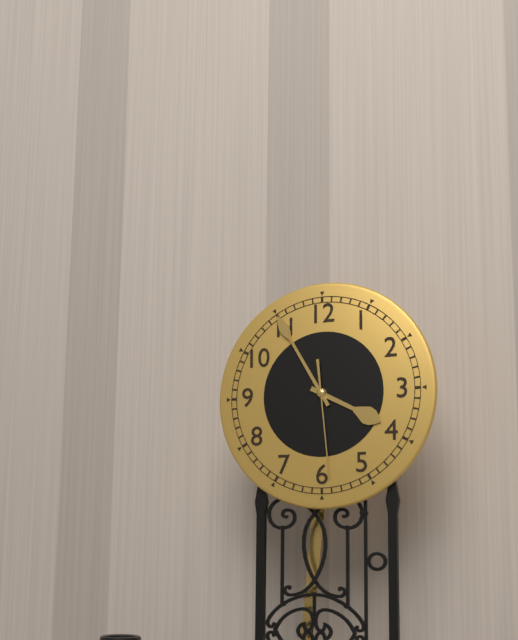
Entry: h=3 m=55 s=29
